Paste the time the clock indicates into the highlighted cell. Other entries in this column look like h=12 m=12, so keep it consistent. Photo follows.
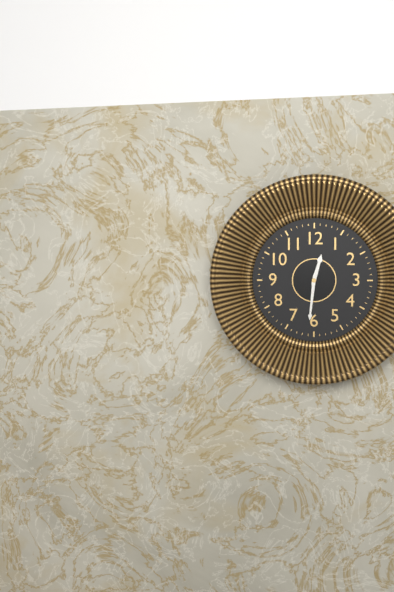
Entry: h=12 m=31
